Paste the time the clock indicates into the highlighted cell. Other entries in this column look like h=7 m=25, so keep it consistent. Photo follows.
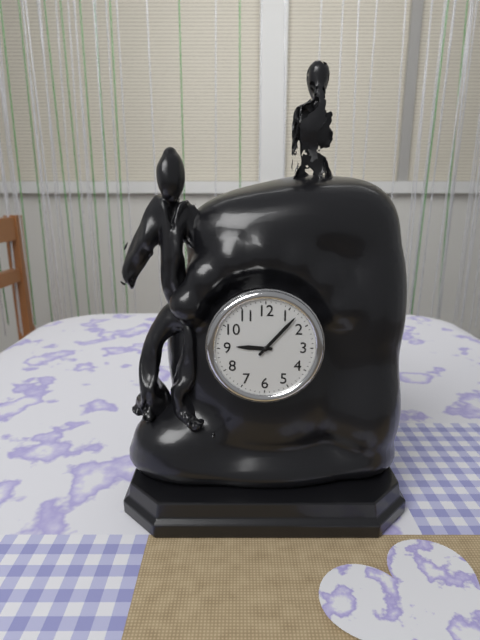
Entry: h=9 m=7
